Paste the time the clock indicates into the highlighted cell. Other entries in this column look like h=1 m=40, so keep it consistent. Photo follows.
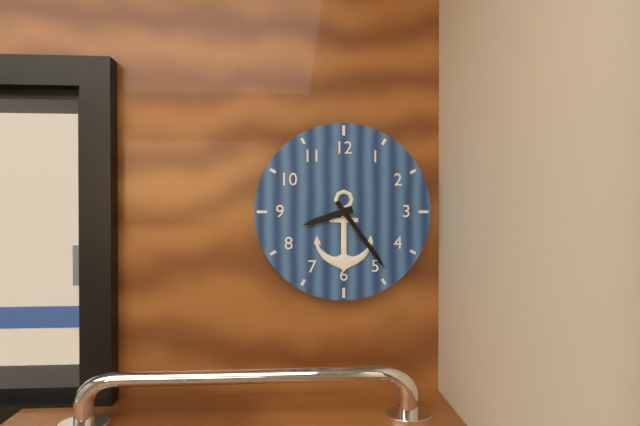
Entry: h=8 m=24
